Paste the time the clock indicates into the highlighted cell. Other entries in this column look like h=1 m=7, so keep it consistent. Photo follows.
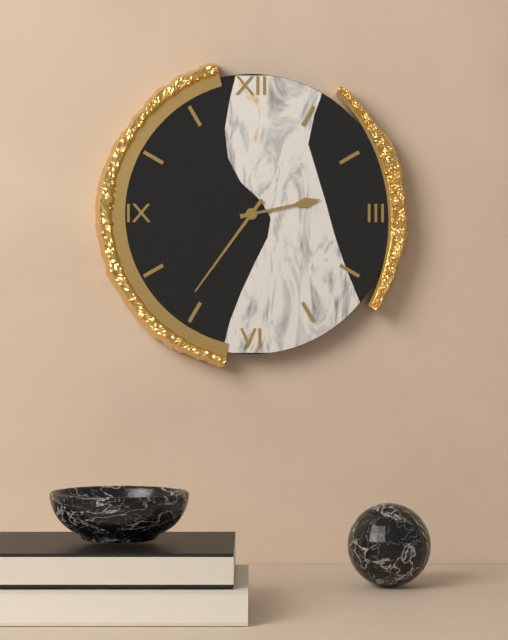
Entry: h=2 m=36
